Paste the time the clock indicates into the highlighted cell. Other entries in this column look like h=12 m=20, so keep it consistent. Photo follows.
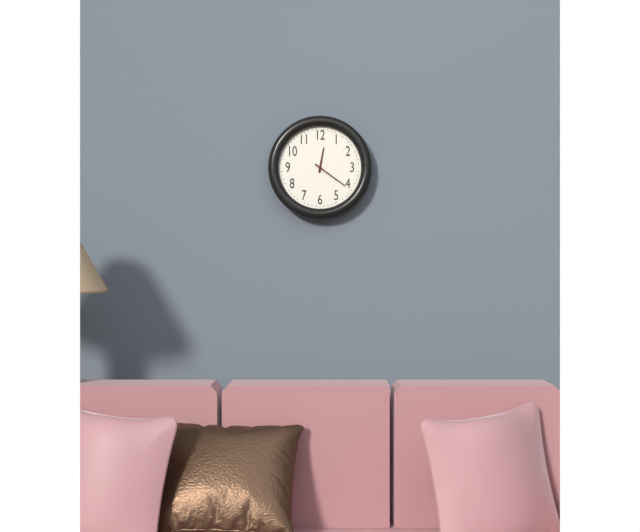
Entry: h=12 m=21
